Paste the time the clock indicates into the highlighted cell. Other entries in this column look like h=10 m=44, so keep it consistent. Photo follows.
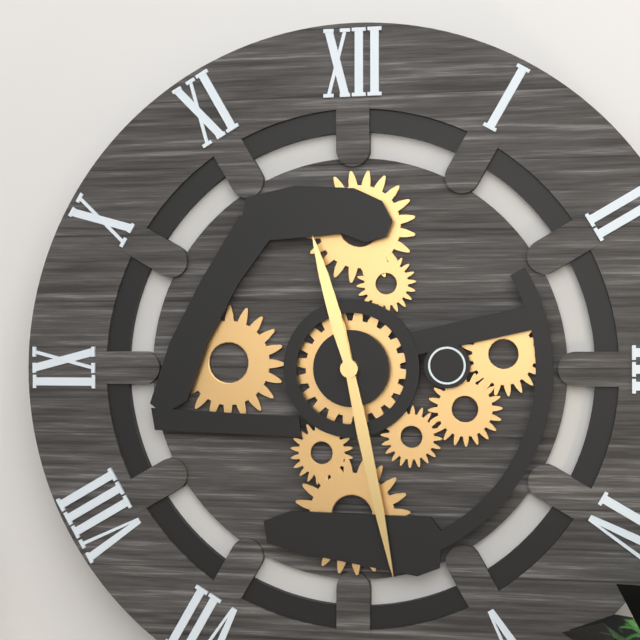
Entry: h=11 m=28
